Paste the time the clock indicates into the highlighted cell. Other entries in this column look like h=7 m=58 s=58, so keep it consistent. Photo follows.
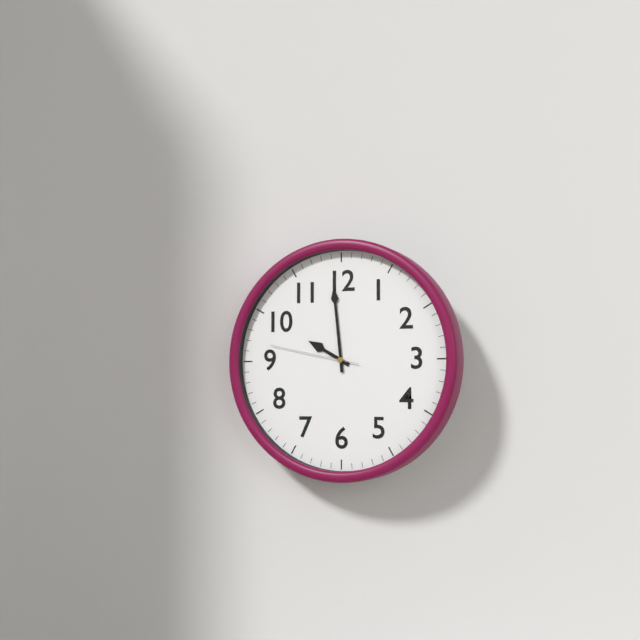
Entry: h=9 m=59 s=47
